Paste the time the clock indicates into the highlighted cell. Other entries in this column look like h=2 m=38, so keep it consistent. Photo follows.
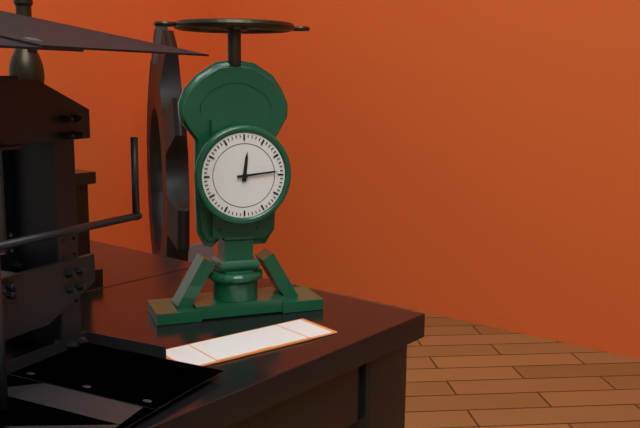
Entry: h=12 m=14
